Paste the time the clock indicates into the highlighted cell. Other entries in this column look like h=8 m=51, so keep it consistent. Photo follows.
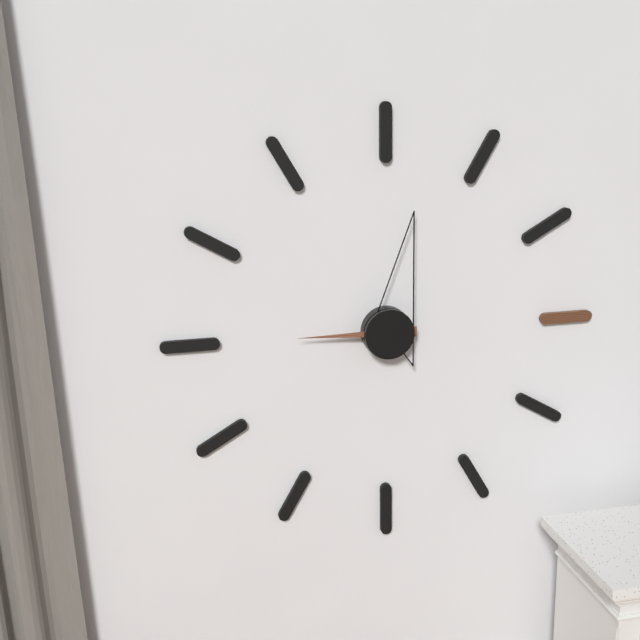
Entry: h=9 m=2
